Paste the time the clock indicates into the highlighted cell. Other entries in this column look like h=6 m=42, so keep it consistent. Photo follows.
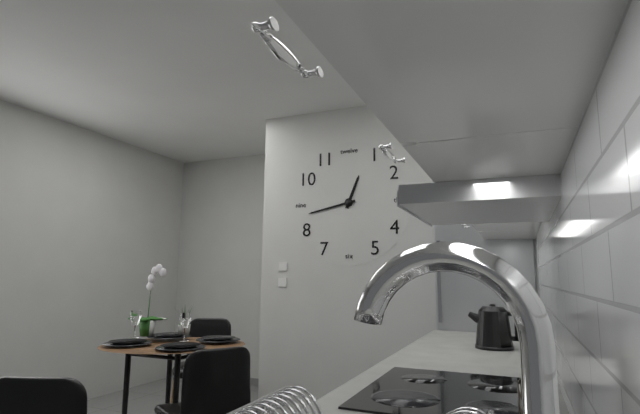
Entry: h=12 m=43
